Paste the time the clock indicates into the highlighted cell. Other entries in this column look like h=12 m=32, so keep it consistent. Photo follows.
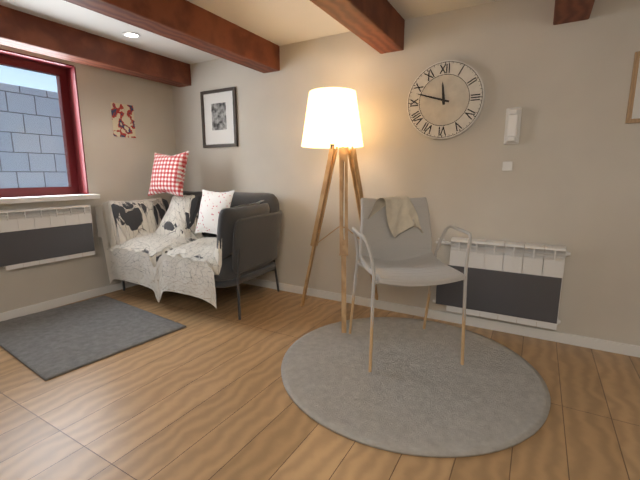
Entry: h=11 m=48
